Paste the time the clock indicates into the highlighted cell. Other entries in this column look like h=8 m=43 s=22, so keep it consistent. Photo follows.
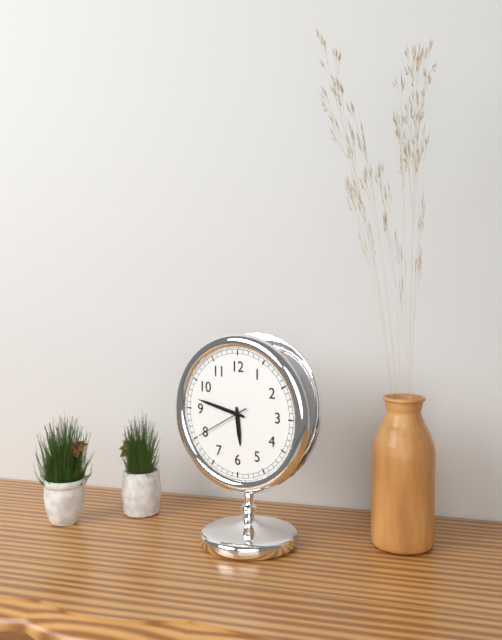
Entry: h=5 m=47 s=40
